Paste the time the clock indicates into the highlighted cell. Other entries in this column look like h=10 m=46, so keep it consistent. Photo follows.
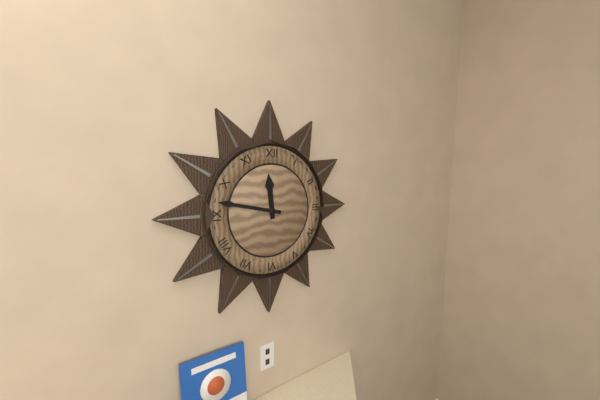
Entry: h=11 m=47
